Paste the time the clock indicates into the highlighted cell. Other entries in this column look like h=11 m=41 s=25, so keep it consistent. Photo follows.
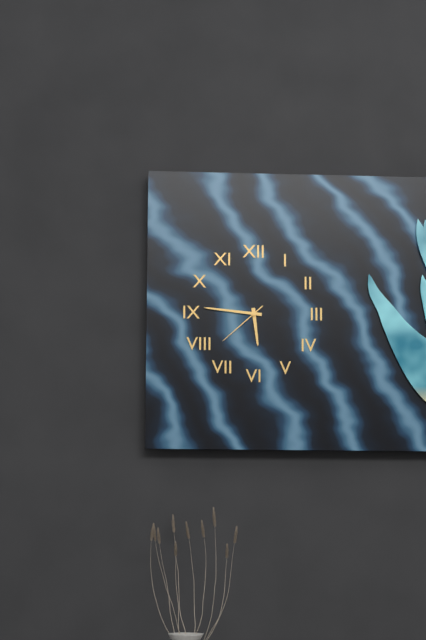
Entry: h=5 m=46 s=38
